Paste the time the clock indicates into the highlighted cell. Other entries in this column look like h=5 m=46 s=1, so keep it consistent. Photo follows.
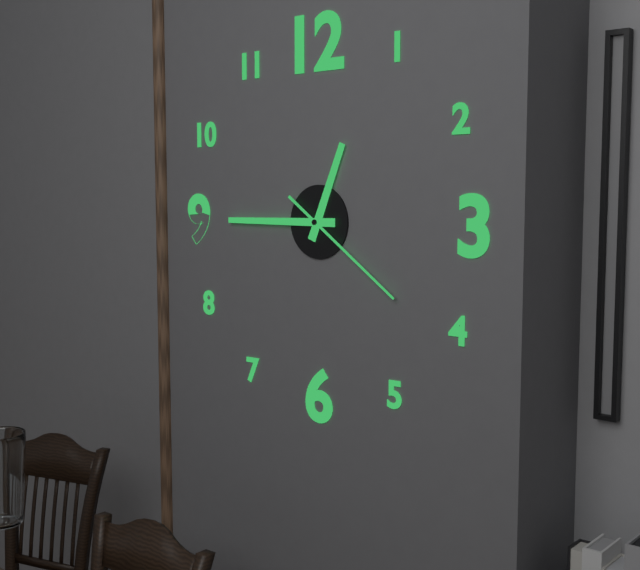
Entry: h=12 m=45 s=21
